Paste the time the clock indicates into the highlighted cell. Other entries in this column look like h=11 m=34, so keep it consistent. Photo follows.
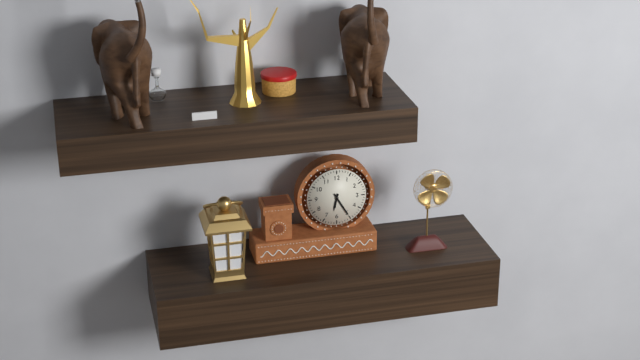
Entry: h=6 m=25
